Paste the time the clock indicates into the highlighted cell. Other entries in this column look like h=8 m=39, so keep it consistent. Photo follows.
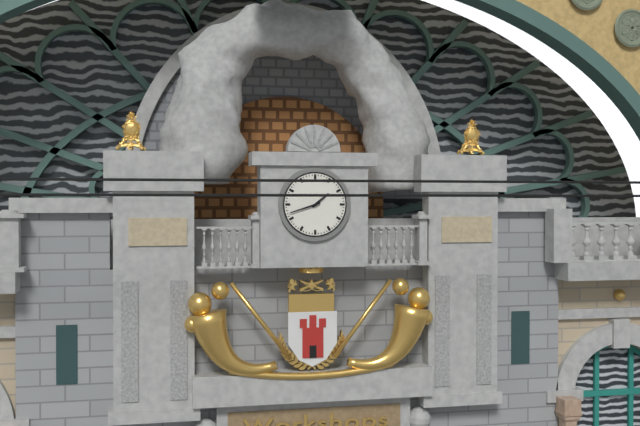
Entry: h=1 m=42
